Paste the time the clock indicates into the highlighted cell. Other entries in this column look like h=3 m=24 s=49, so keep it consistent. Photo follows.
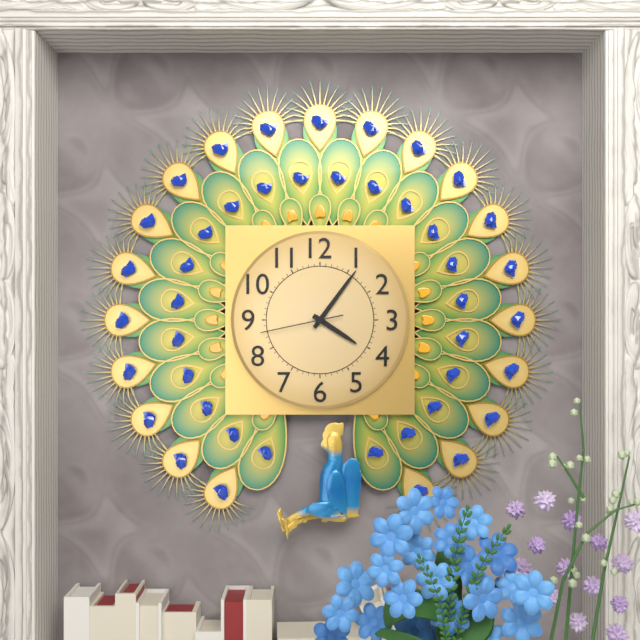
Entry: h=4 m=6 s=43
